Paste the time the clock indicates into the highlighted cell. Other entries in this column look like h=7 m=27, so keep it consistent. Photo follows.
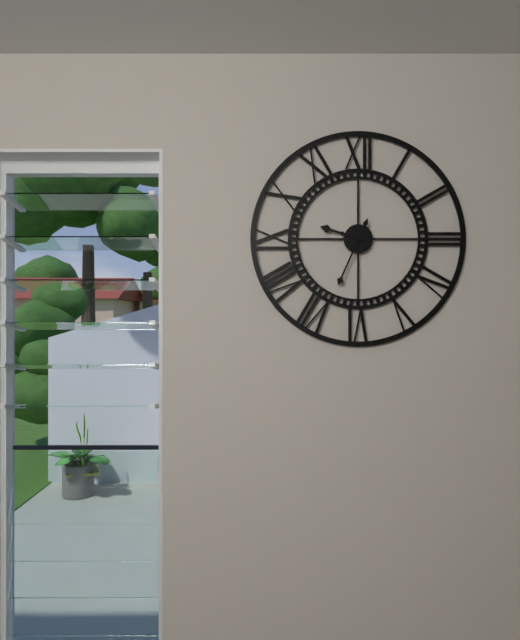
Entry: h=9 m=34
